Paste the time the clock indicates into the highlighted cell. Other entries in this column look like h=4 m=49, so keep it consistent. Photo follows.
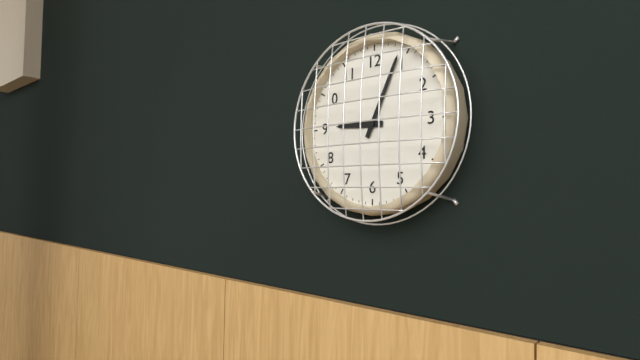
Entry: h=9 m=4
